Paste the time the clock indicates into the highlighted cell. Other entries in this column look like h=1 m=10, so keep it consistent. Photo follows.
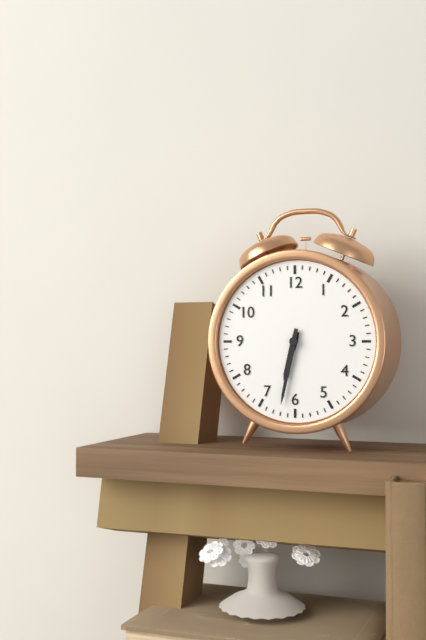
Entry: h=6 m=32
